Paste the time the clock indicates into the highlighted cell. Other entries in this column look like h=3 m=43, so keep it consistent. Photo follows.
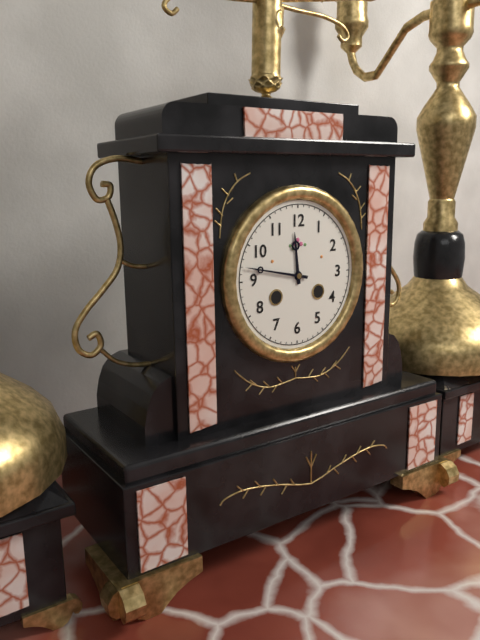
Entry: h=11 m=47
